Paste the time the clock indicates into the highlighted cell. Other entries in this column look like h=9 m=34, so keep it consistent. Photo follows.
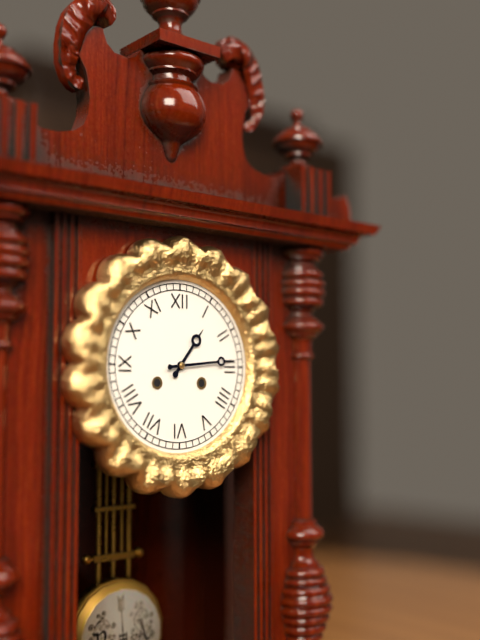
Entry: h=1 m=14
